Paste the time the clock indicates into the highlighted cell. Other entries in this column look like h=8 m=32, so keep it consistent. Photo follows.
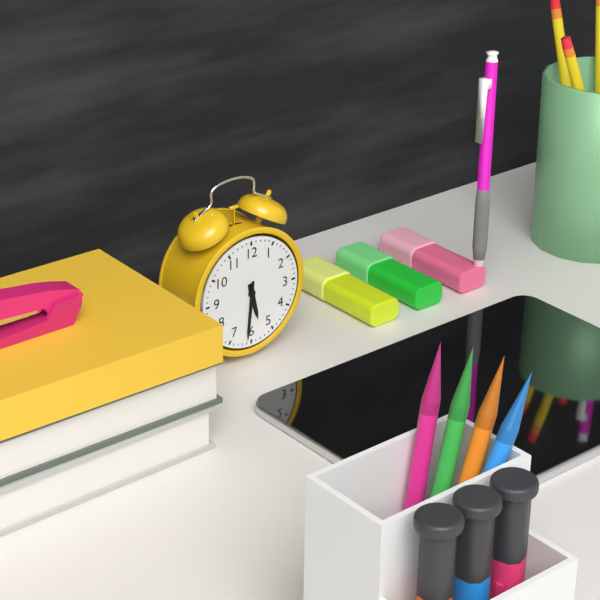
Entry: h=5 m=31
